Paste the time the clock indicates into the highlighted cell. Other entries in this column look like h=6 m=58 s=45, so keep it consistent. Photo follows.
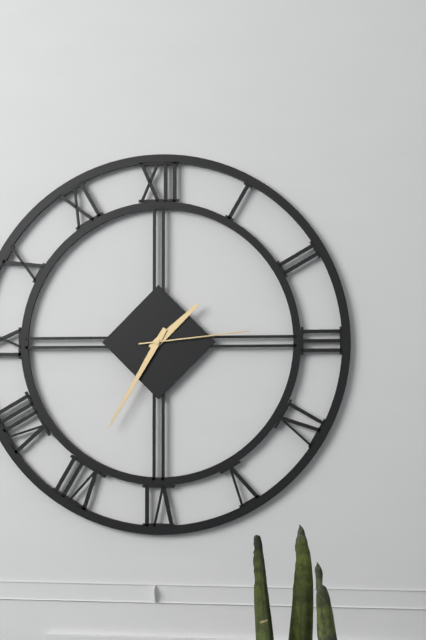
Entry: h=1 m=35 s=14
